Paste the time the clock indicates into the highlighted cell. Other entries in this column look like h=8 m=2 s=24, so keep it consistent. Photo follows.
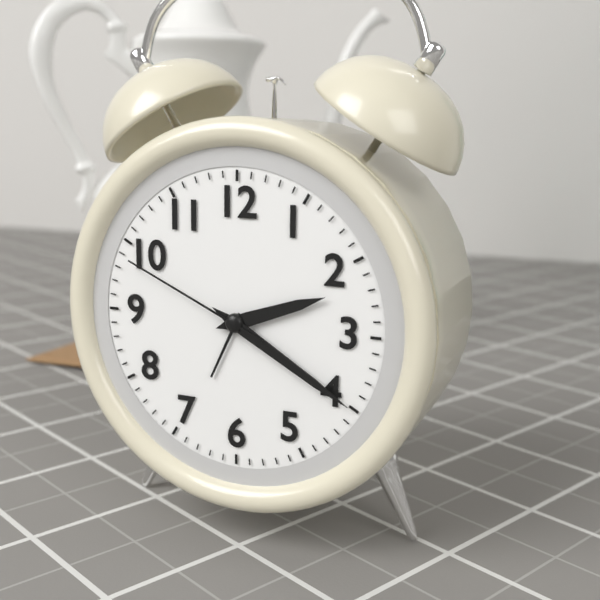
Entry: h=2 m=20 s=49
